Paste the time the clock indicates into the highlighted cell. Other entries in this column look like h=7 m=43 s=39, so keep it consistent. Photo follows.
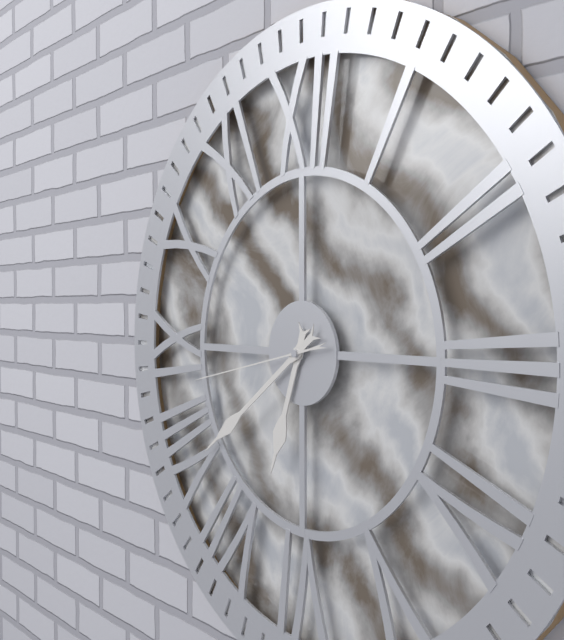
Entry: h=6 m=39 s=43
